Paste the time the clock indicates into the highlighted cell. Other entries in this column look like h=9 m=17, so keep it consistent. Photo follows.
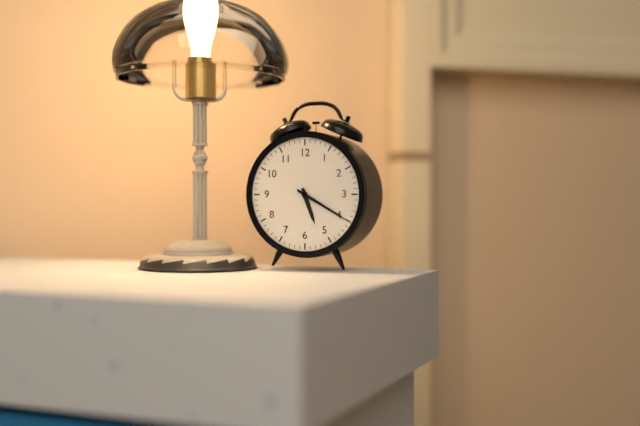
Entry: h=5 m=20
